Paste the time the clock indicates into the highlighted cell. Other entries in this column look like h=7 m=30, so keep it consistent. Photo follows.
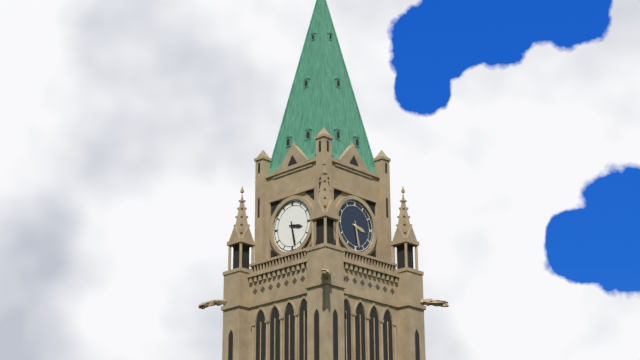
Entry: h=3 m=28
